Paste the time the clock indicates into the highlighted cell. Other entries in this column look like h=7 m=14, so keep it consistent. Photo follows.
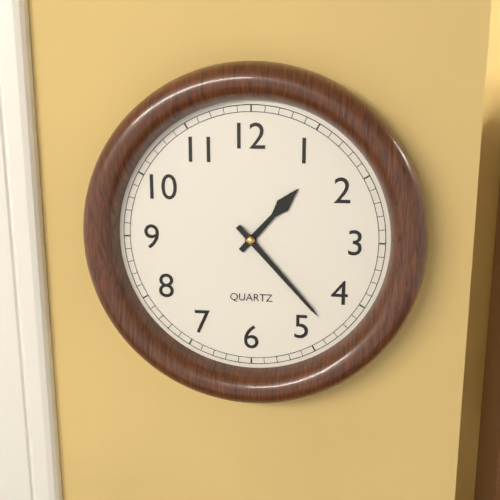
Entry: h=1 m=23
